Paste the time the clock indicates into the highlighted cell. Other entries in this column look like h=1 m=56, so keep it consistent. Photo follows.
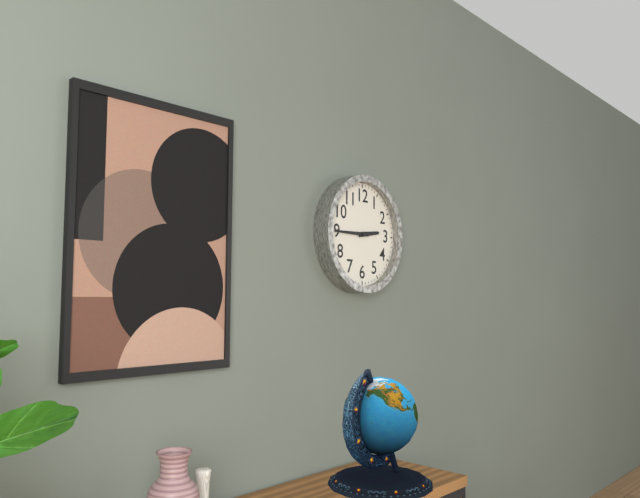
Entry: h=2 m=45
